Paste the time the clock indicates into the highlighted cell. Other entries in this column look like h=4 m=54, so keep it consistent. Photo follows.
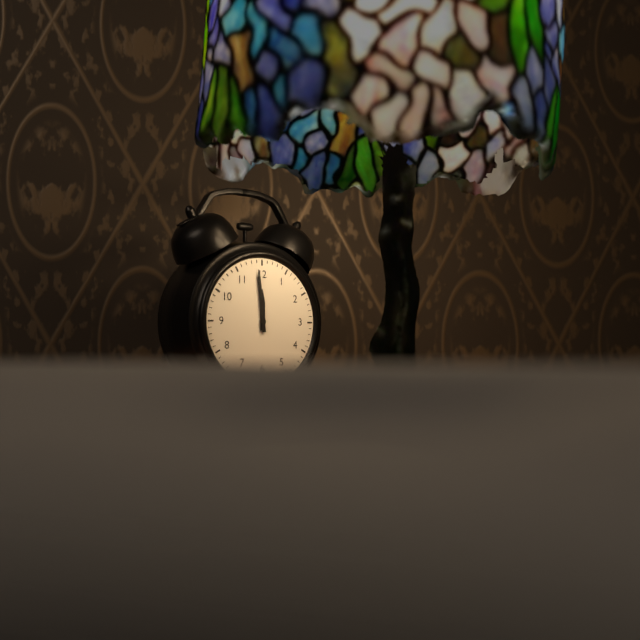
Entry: h=11 m=59
